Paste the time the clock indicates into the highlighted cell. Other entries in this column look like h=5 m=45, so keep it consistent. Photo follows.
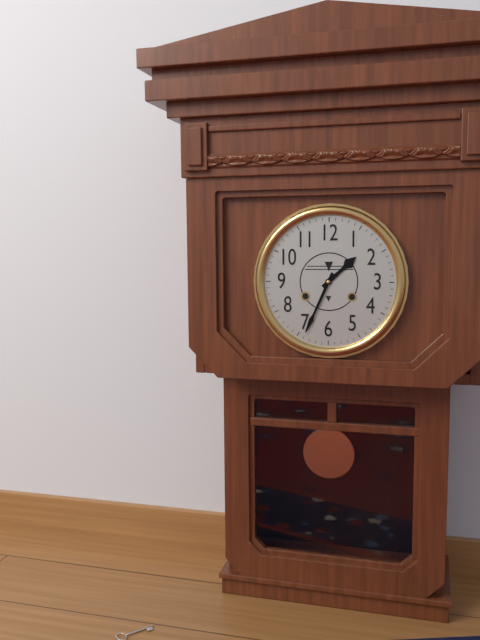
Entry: h=1 m=34
